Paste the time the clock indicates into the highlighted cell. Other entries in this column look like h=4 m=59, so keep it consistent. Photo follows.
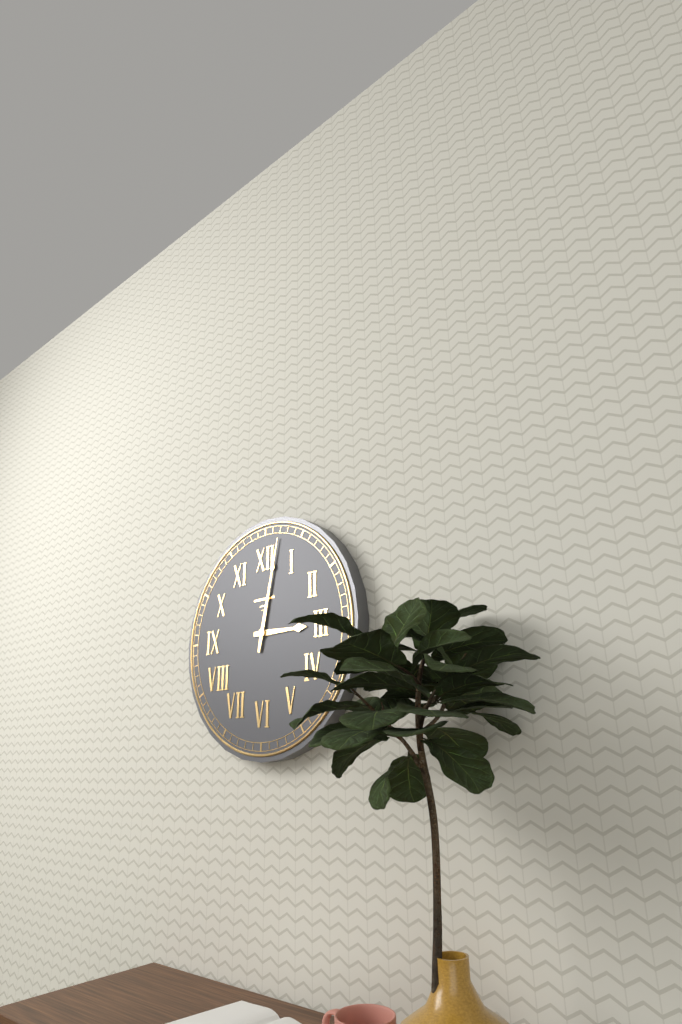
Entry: h=3 m=2
